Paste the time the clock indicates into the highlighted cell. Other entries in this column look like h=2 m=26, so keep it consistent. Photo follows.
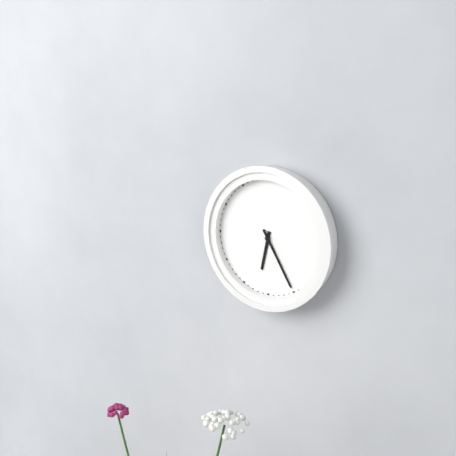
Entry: h=6 m=25
